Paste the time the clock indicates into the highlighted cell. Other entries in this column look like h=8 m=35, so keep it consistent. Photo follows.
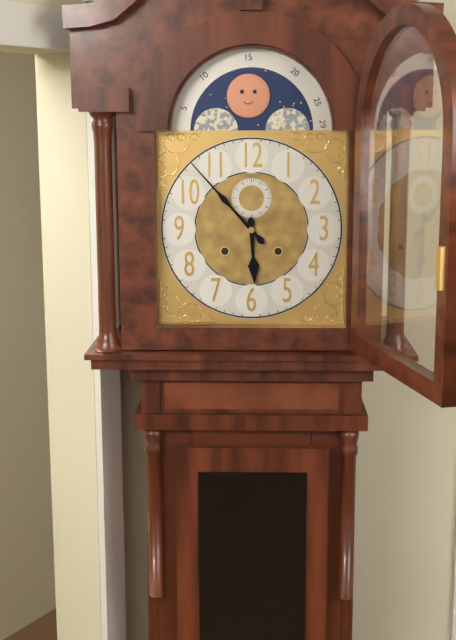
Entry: h=5 m=53
